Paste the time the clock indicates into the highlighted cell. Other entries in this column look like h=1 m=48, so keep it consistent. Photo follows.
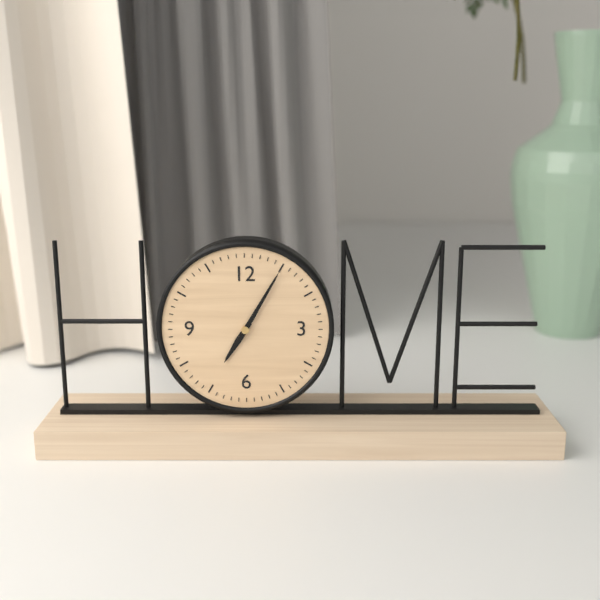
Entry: h=7 m=5
